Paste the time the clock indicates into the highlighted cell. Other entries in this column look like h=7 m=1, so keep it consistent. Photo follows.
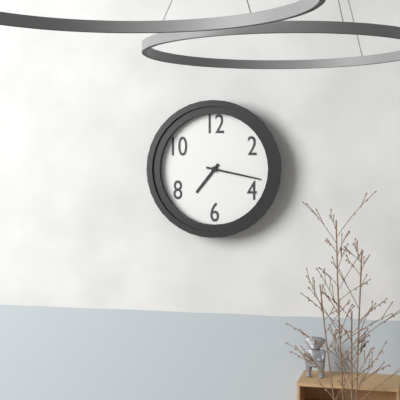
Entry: h=7 m=17
